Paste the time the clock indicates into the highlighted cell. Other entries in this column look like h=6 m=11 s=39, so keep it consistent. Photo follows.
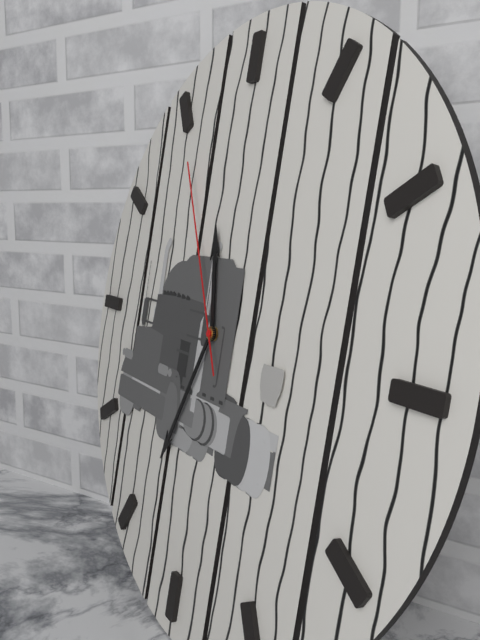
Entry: h=11 m=34 s=55
